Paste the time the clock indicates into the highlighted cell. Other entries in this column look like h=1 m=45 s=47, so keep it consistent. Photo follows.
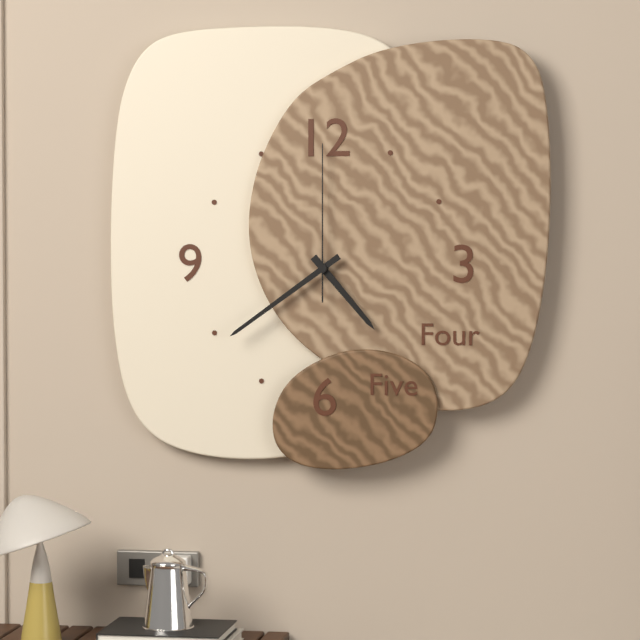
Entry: h=4 m=39 s=0
